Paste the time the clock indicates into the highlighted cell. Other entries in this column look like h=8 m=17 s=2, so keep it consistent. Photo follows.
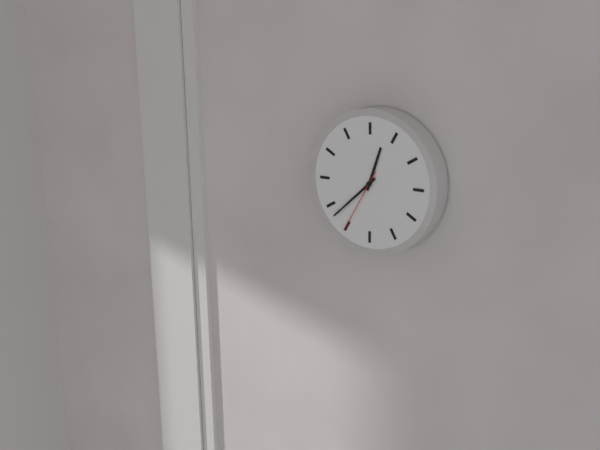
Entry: h=12 m=38 s=35
